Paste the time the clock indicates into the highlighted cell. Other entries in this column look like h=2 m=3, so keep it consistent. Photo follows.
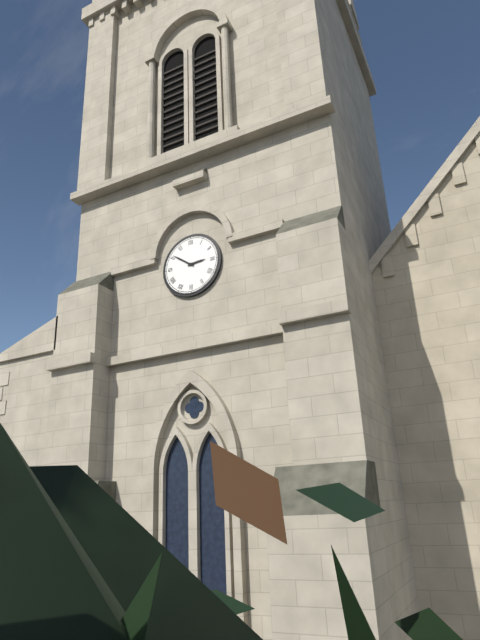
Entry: h=2 m=51
